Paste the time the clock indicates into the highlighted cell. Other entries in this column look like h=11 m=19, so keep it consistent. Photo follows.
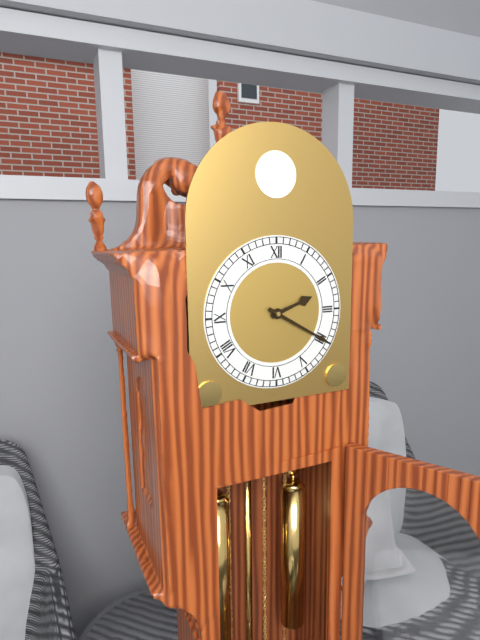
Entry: h=2 m=20
